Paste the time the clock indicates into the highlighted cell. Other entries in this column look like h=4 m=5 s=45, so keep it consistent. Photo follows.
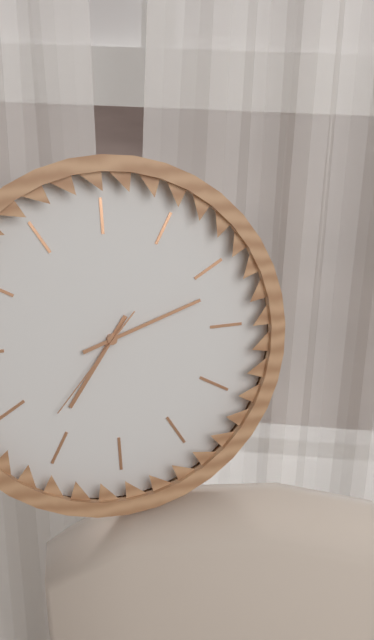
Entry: h=7 m=12 s=37
